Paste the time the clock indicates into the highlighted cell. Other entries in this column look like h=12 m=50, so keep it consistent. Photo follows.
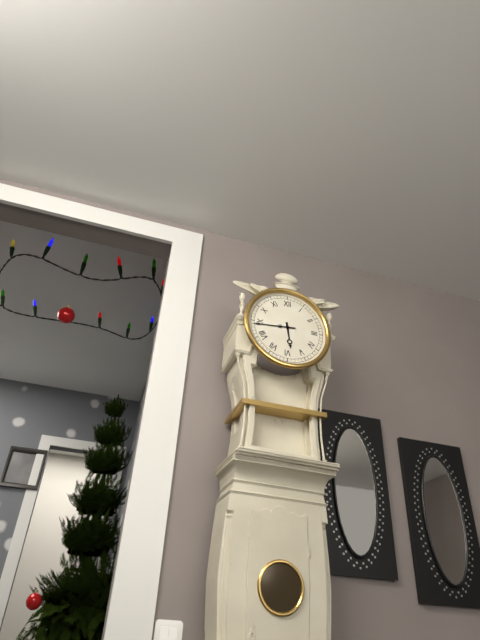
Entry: h=5 m=44
